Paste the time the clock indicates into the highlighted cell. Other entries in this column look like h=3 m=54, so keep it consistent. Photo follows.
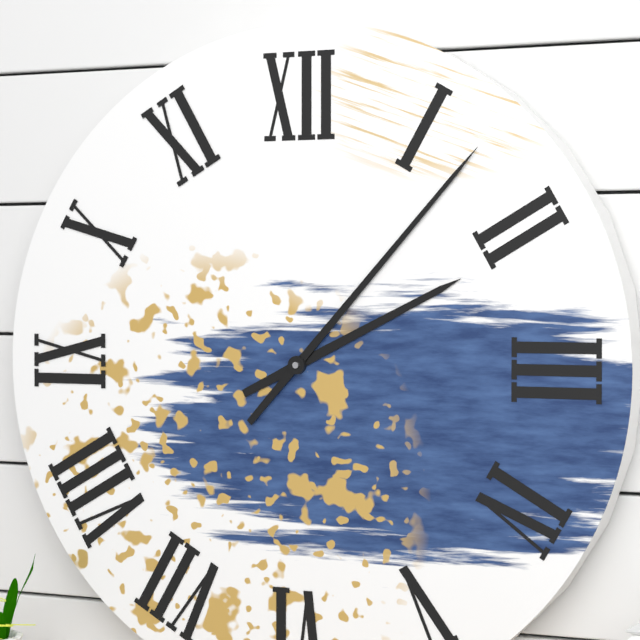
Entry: h=2 m=7
